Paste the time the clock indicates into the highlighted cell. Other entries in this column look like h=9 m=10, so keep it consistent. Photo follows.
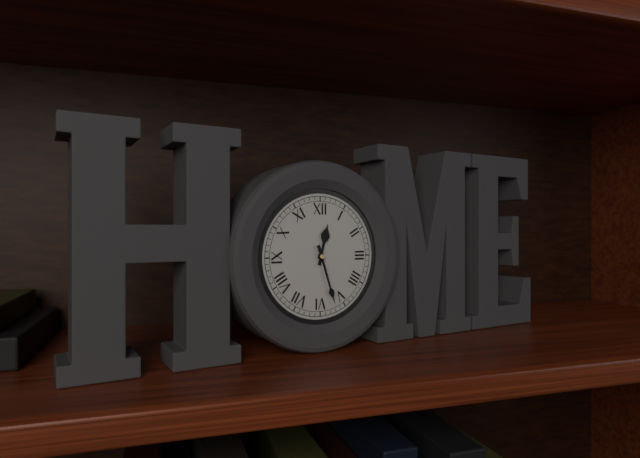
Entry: h=12 m=27
